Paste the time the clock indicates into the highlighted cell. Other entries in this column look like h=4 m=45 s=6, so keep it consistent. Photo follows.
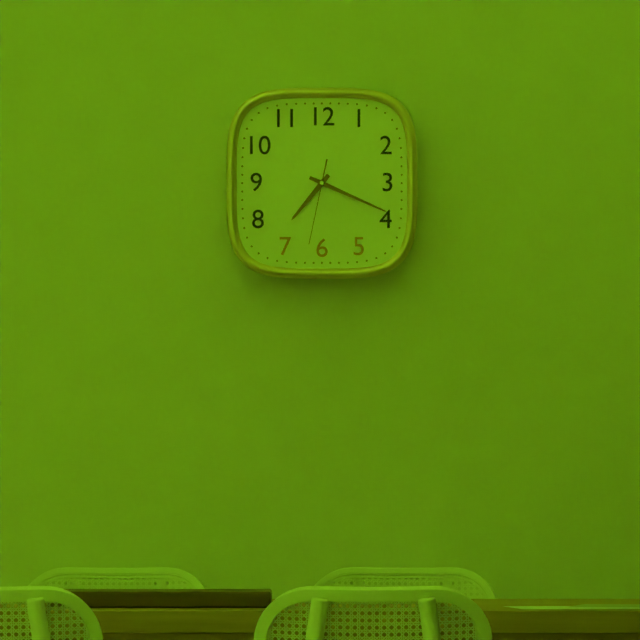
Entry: h=7 m=19 s=32
